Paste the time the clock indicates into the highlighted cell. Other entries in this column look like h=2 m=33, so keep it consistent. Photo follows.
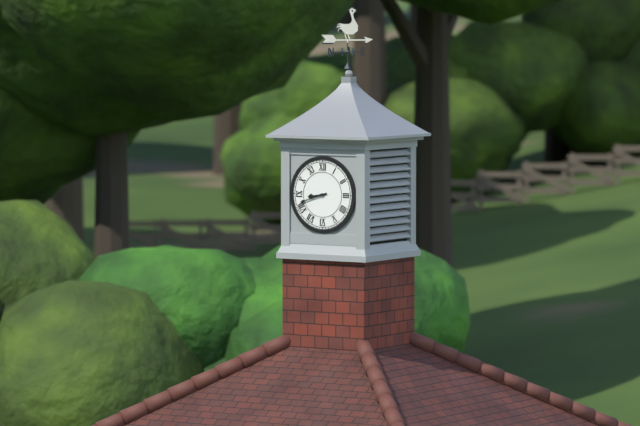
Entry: h=8 m=42
